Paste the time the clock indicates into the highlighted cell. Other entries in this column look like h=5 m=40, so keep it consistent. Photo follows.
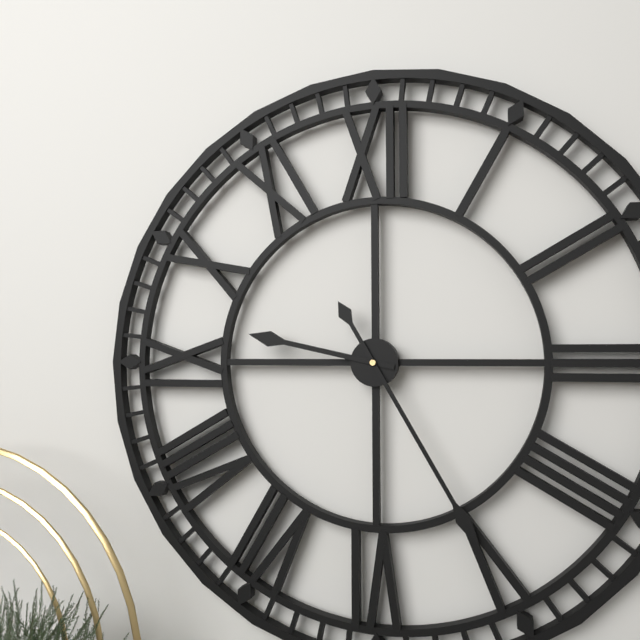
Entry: h=9 m=25
